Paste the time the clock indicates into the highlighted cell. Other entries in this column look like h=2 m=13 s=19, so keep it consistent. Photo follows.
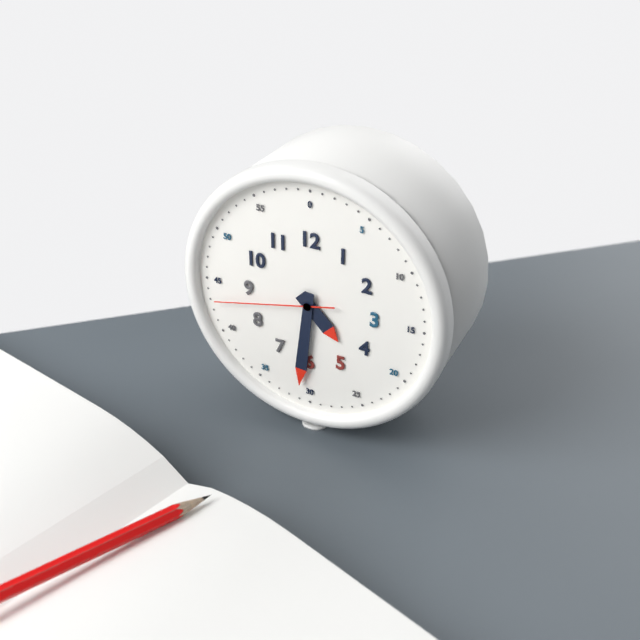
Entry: h=4 m=31 s=43
